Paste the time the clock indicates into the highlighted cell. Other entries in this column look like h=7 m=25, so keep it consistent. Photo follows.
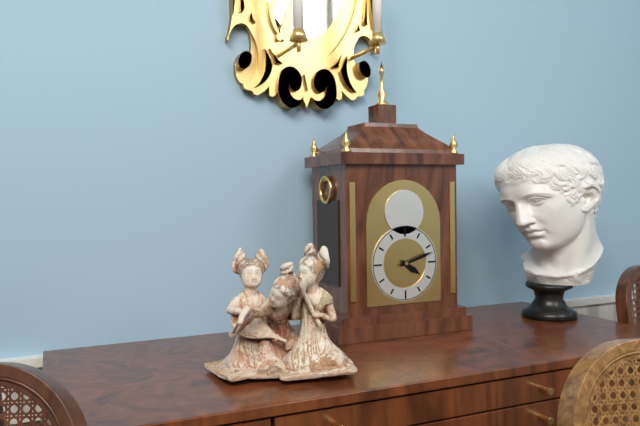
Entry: h=4 m=12
